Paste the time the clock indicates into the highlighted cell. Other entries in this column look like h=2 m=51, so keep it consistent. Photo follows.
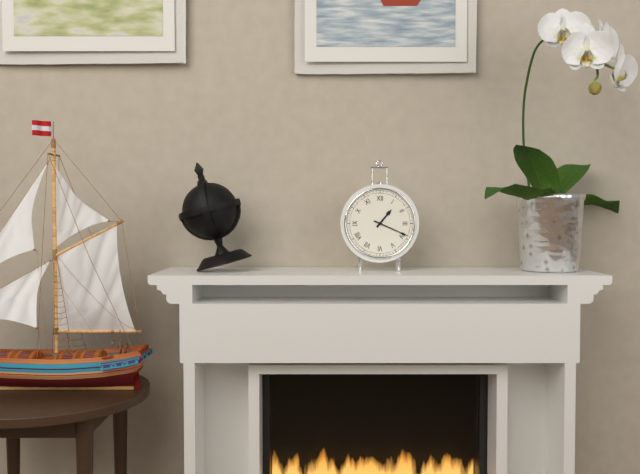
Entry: h=1 m=19
